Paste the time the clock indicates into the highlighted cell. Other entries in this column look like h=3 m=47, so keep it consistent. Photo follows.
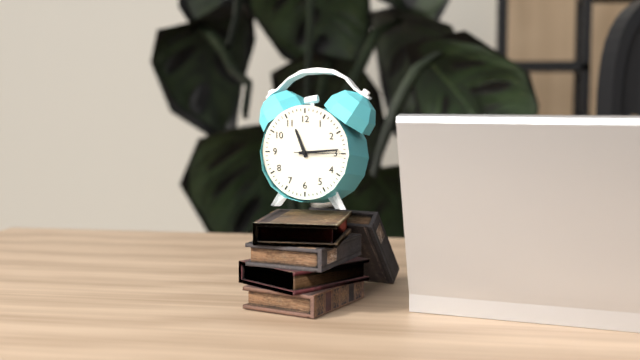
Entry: h=11 m=14
